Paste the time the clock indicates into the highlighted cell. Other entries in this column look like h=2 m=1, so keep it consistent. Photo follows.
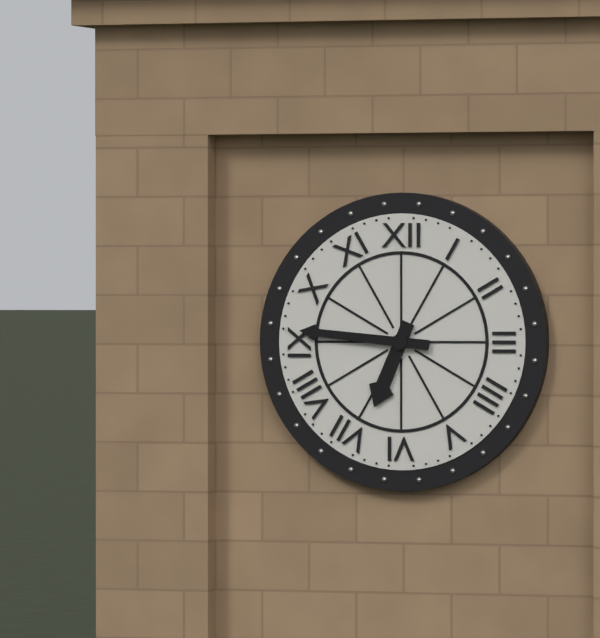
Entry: h=6 m=46
